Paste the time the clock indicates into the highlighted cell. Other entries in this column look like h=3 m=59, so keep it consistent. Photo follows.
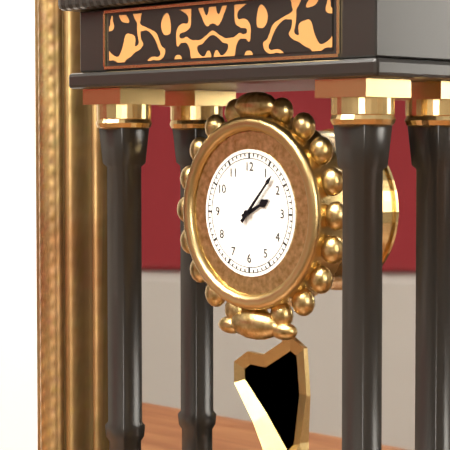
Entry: h=2 m=7
